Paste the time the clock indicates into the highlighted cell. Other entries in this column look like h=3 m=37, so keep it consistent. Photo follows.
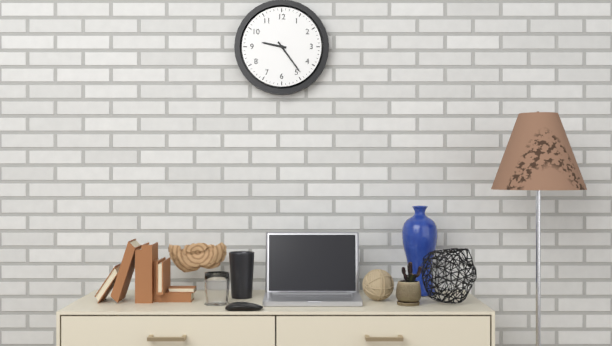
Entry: h=9 m=24
